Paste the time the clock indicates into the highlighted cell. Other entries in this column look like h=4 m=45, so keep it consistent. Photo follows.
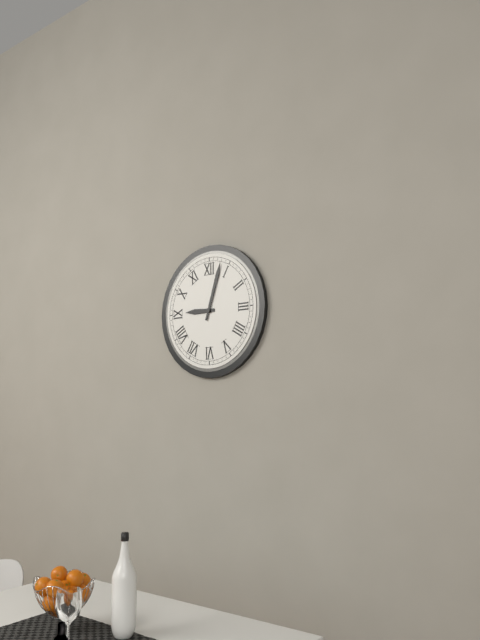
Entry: h=9 m=3
